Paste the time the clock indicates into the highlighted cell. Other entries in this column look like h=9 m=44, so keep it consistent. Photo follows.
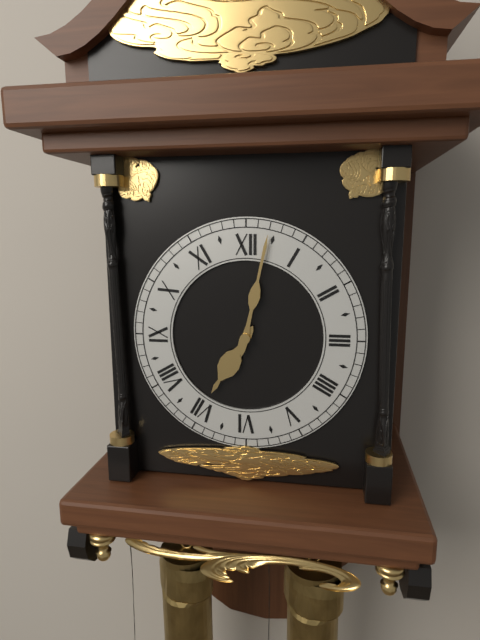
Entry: h=7 m=2
